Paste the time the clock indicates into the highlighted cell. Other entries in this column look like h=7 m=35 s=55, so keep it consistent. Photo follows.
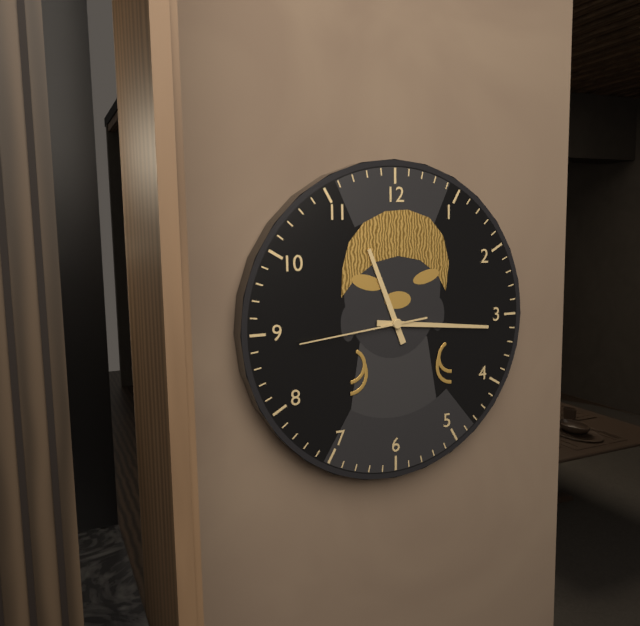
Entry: h=11 m=16 s=44
